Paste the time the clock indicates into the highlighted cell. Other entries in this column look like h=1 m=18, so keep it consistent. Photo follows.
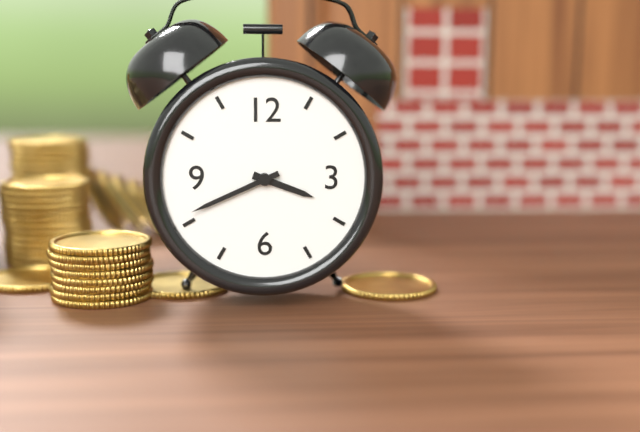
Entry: h=3 m=41
